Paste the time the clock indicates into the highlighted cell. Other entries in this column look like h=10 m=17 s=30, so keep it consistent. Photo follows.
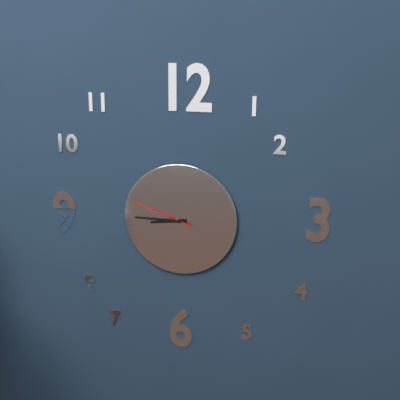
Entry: h=8 m=45 s=48
